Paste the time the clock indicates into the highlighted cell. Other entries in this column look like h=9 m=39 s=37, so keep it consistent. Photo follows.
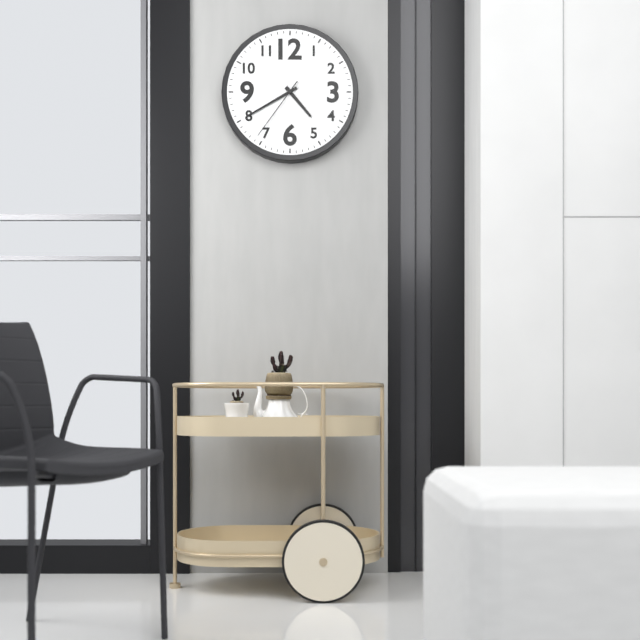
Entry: h=4 m=40 s=36
